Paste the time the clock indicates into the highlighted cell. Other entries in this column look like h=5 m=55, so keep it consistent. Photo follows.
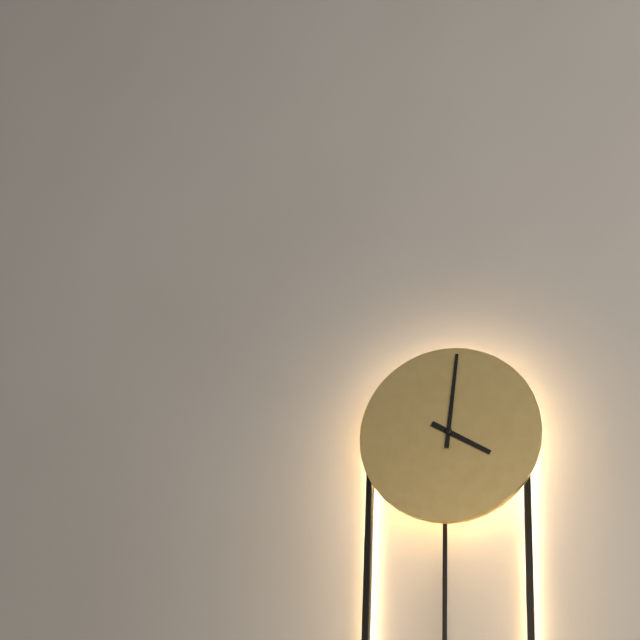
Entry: h=4 m=1
